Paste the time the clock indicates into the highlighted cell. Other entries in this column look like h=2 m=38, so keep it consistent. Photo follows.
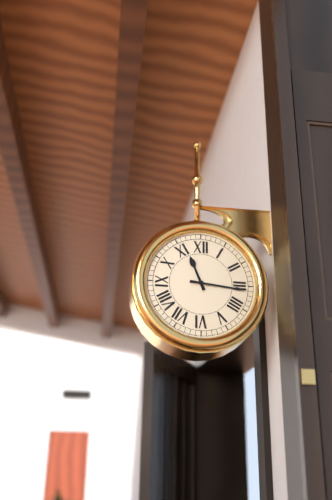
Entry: h=11 m=16
